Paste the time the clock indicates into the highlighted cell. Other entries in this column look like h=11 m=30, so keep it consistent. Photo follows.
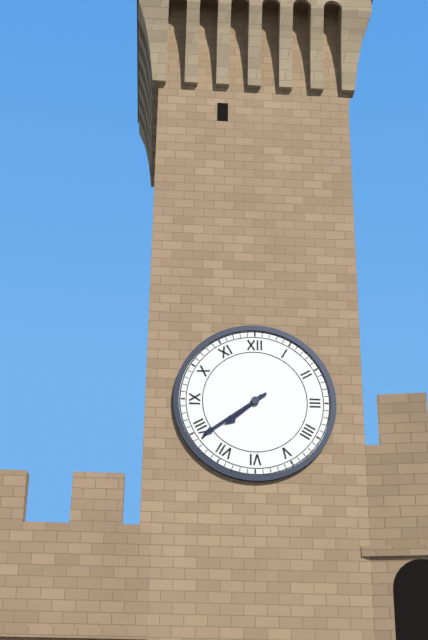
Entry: h=7 m=39
